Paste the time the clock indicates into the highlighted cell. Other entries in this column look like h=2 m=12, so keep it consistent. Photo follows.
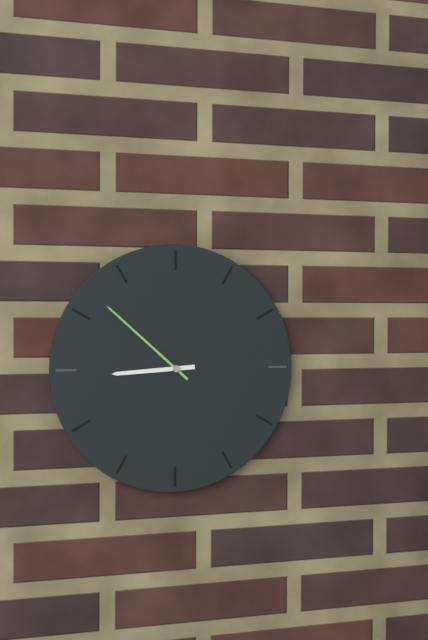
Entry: h=8 m=52
